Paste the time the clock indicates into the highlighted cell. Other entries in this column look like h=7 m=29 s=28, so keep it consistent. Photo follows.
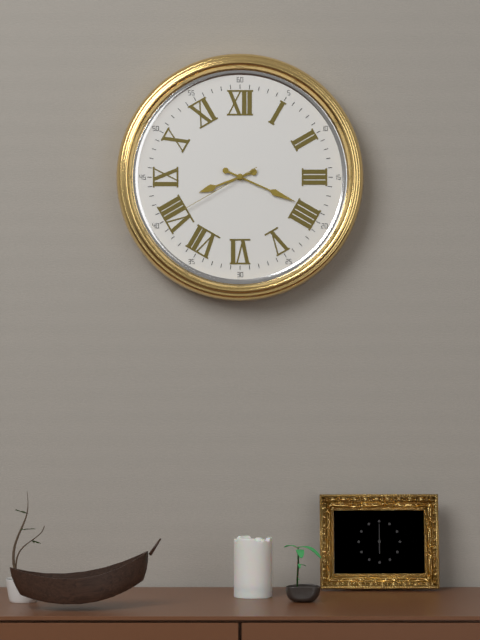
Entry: h=8 m=19 s=40
